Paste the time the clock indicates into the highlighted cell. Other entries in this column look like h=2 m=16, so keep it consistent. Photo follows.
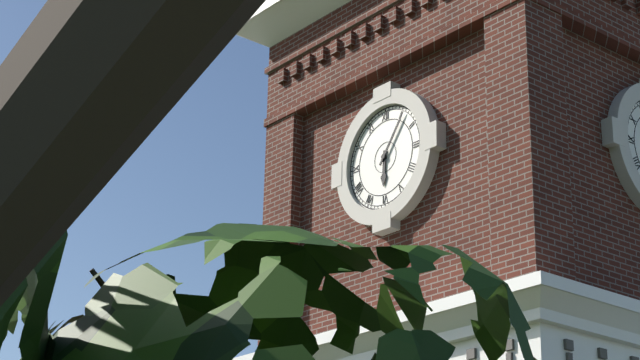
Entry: h=6 m=6
